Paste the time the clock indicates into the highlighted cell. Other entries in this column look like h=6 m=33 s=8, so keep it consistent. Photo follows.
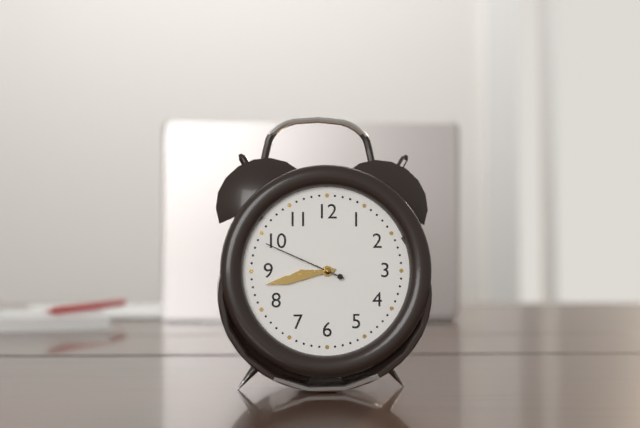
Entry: h=8 m=43 s=49
